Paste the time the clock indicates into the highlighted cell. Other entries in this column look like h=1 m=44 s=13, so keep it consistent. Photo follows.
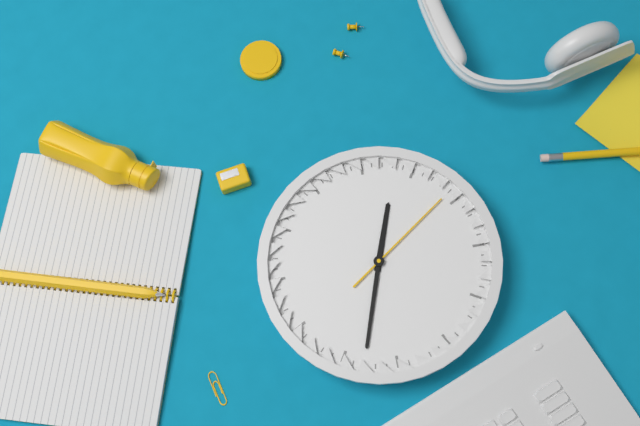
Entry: h=1 m=38 s=14
